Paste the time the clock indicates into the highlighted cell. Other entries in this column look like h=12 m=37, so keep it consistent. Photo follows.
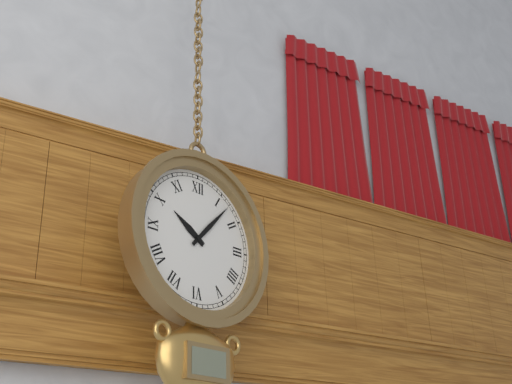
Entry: h=10 m=7
